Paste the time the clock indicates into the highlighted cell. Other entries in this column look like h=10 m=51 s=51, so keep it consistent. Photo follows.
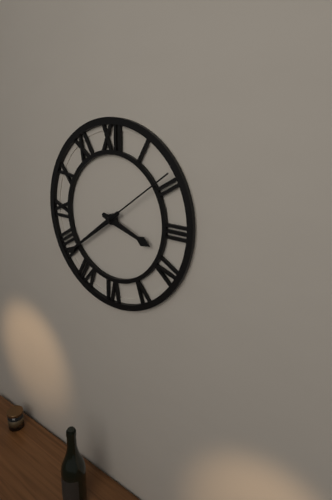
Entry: h=3 m=39 s=9
